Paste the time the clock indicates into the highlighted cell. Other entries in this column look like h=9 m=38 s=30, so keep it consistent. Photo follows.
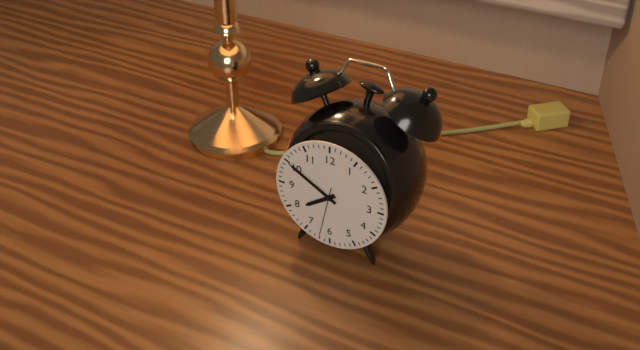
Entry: h=7 m=50 s=32
